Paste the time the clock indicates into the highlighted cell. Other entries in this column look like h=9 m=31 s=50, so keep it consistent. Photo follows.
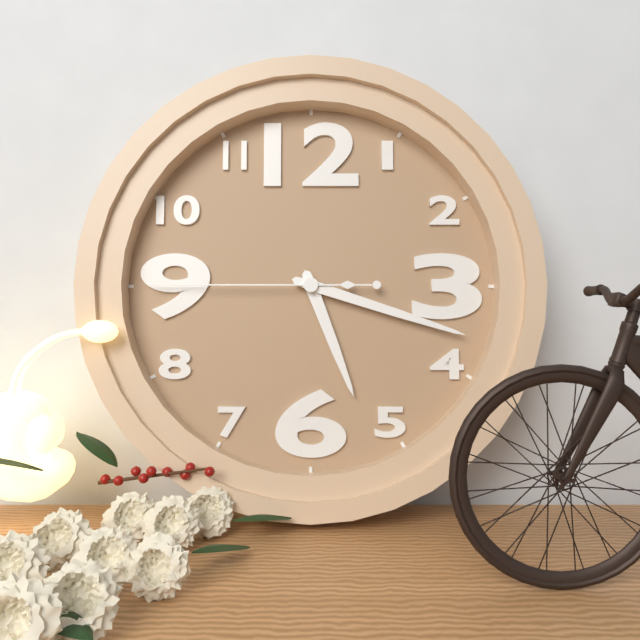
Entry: h=5 m=18 s=45
